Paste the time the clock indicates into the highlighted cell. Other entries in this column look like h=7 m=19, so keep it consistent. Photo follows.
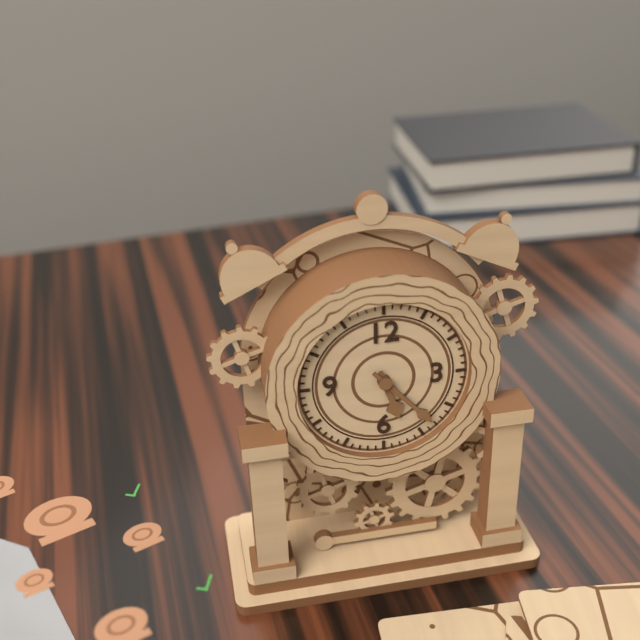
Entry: h=5 m=23
